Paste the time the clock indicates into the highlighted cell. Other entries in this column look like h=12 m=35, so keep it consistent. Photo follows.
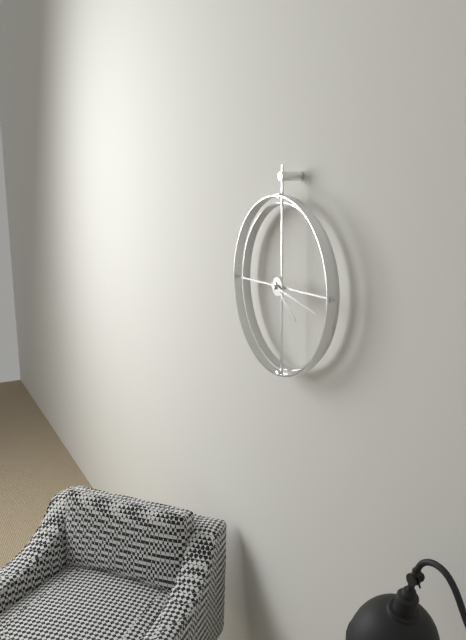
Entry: h=4 m=17
